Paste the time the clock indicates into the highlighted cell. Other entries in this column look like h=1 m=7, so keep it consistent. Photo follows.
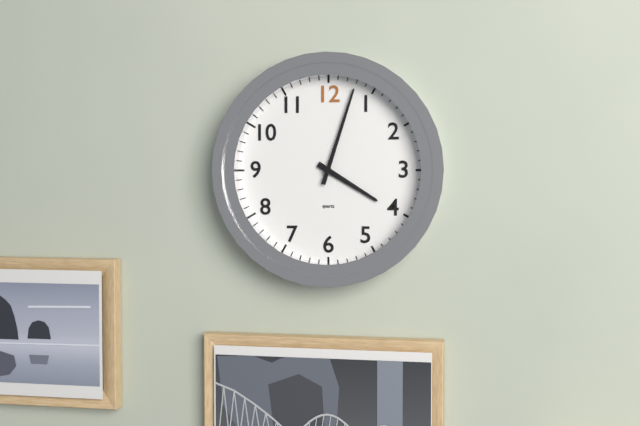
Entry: h=4 m=3
